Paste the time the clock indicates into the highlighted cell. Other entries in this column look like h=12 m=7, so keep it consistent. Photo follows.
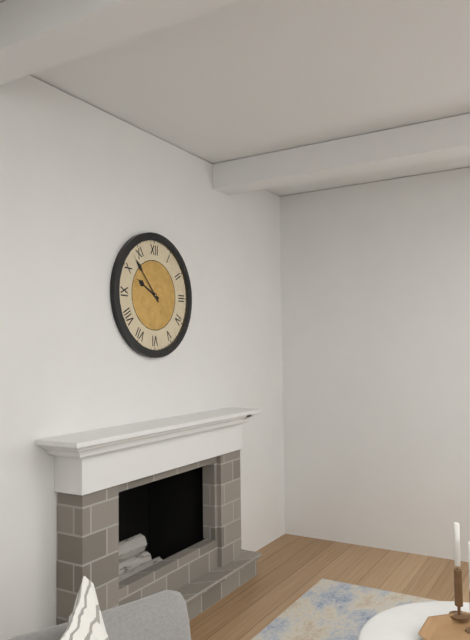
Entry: h=9 m=53
